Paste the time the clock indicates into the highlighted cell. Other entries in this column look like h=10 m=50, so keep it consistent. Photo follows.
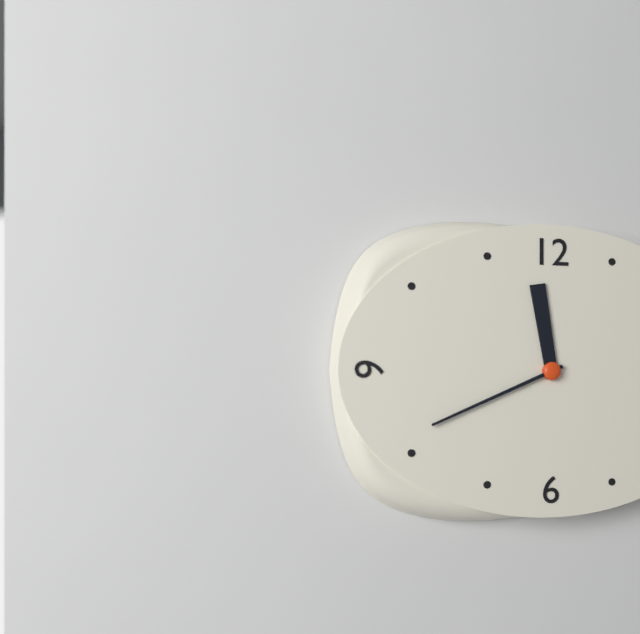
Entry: h=11 m=41
